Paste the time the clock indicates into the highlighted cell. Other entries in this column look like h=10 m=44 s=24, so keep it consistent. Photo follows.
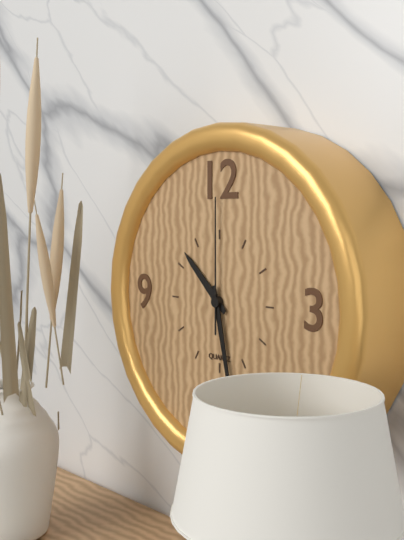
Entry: h=10 m=28 s=0
